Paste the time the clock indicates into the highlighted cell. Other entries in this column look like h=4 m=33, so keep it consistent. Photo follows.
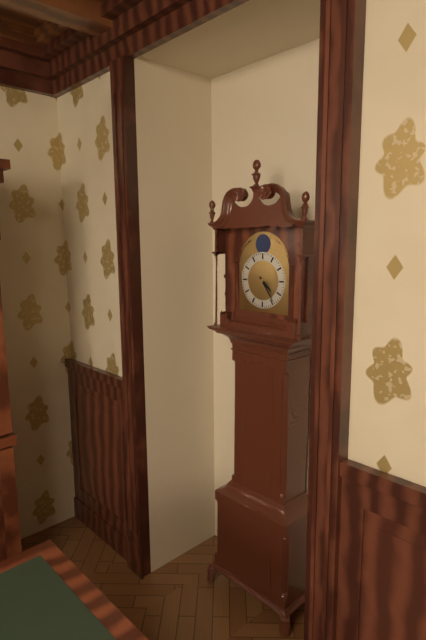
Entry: h=4 m=24
